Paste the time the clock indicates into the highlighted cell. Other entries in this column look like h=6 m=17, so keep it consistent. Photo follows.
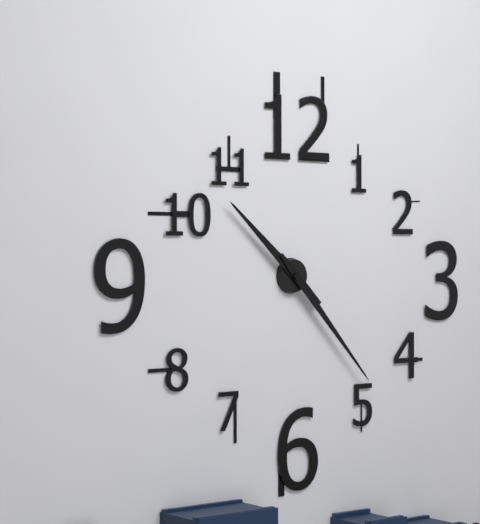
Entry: h=10 m=23
